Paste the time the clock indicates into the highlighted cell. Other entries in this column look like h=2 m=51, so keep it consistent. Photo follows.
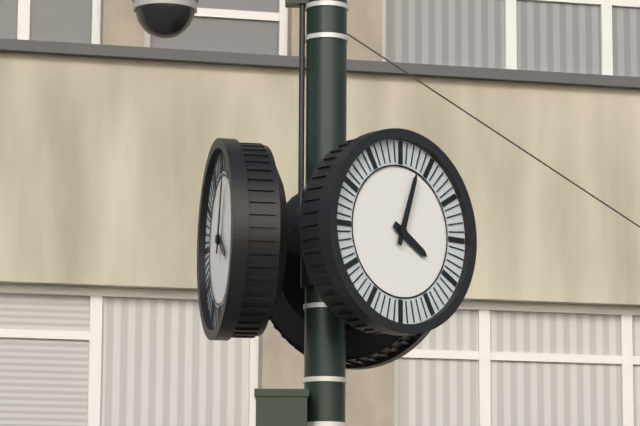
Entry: h=4 m=3
